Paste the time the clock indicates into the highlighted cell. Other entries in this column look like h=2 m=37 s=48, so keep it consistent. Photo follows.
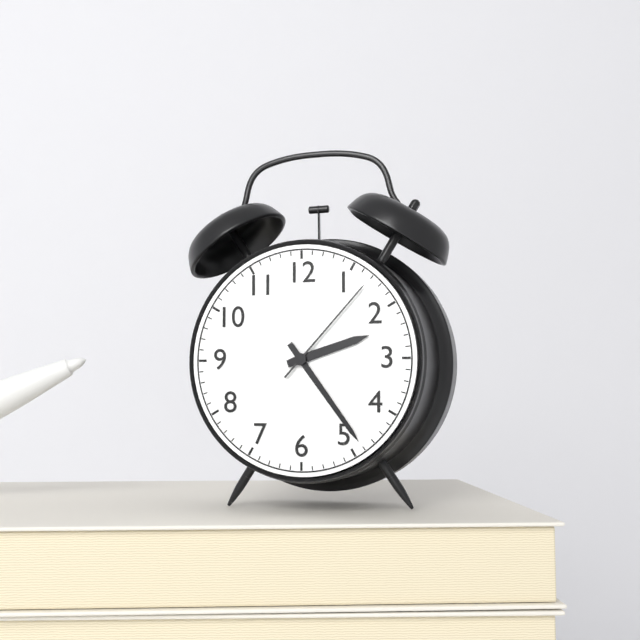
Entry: h=2 m=24 s=7
